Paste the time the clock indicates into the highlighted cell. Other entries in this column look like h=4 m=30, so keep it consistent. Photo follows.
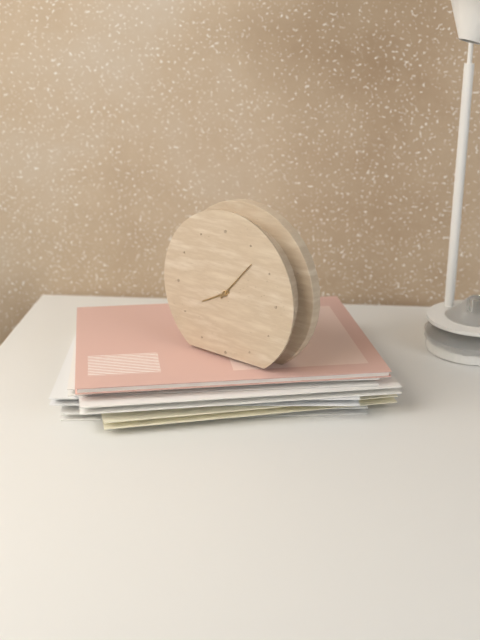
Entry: h=8 m=7
